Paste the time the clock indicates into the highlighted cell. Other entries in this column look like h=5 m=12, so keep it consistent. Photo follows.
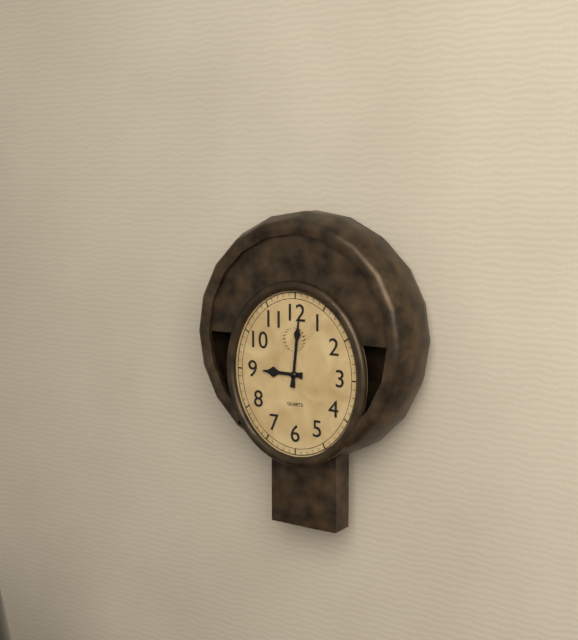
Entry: h=9 m=1
